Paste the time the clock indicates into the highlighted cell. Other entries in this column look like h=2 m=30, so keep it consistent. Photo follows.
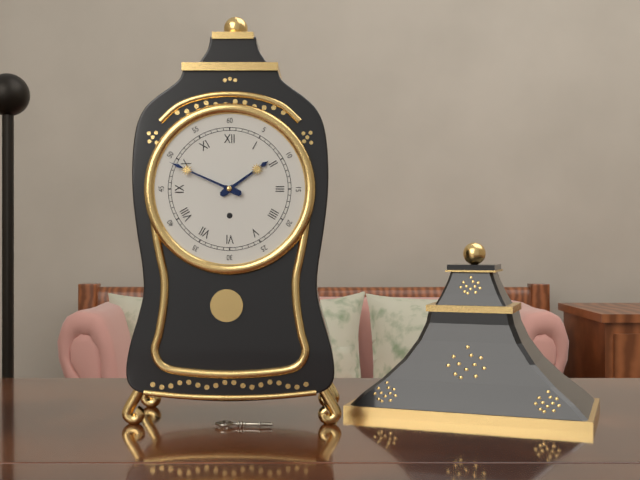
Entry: h=1 m=49
